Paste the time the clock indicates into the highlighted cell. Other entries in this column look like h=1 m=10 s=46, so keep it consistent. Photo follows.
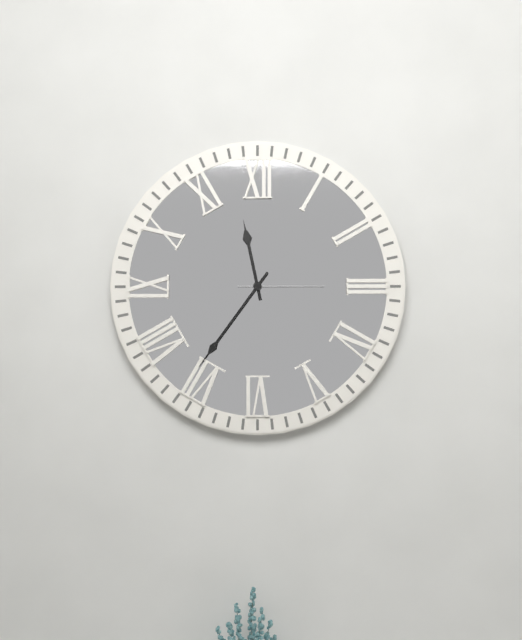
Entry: h=11 m=36 s=15
